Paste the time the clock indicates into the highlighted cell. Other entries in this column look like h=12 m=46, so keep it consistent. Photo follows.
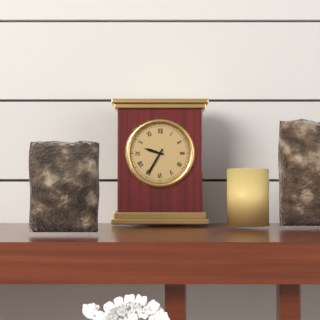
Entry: h=9 m=35
